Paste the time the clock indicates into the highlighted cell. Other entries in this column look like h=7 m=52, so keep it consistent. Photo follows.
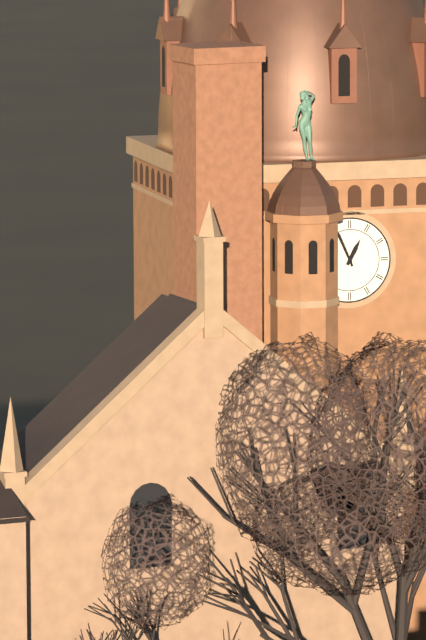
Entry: h=12 m=56
